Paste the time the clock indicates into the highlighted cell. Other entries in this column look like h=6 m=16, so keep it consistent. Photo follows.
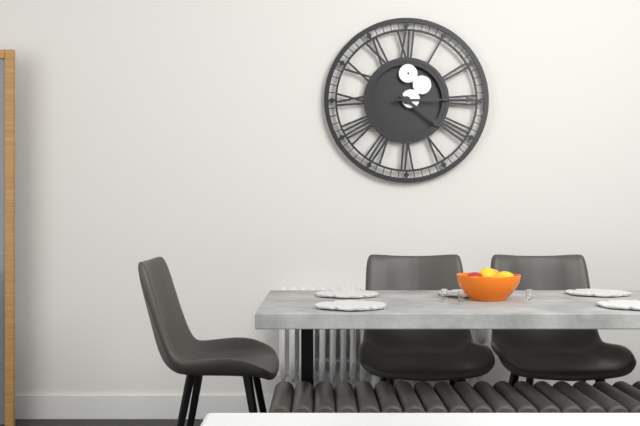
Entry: h=4 m=15
